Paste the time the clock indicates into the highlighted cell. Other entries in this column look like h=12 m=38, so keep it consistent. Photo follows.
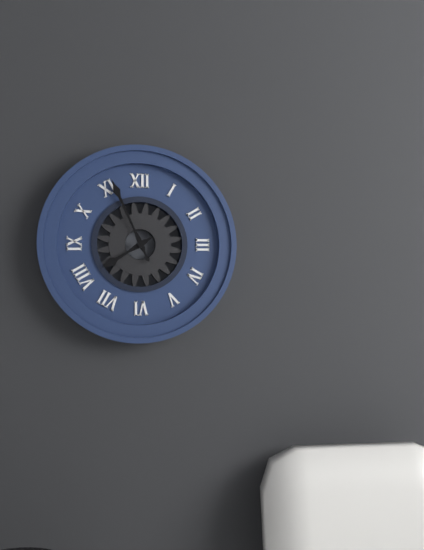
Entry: h=7 m=56
